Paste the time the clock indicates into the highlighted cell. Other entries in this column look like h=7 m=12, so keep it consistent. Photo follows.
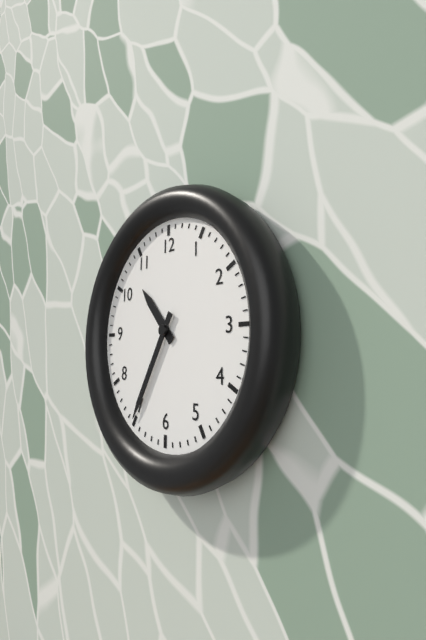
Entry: h=10 m=35
